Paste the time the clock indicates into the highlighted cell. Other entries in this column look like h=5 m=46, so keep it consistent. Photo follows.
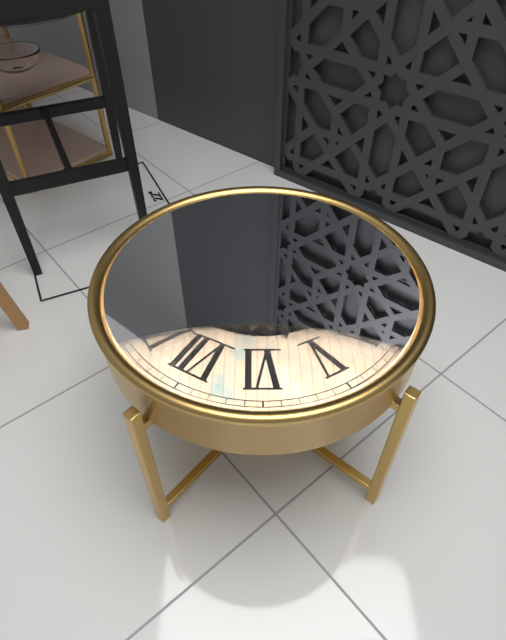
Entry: h=10 m=27
